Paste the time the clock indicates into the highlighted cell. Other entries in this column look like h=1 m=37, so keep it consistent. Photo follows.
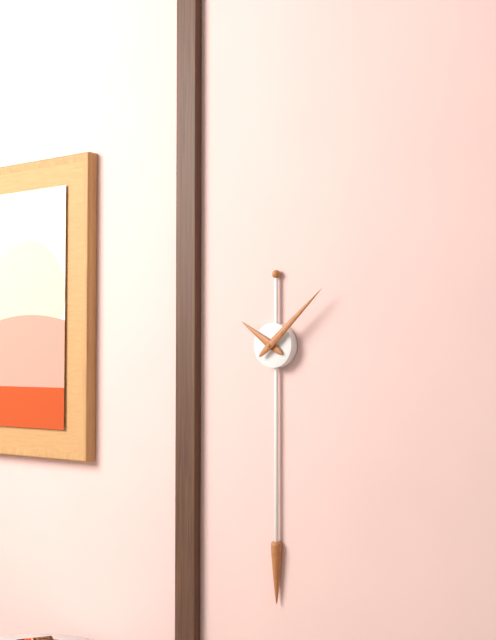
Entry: h=10 m=8
